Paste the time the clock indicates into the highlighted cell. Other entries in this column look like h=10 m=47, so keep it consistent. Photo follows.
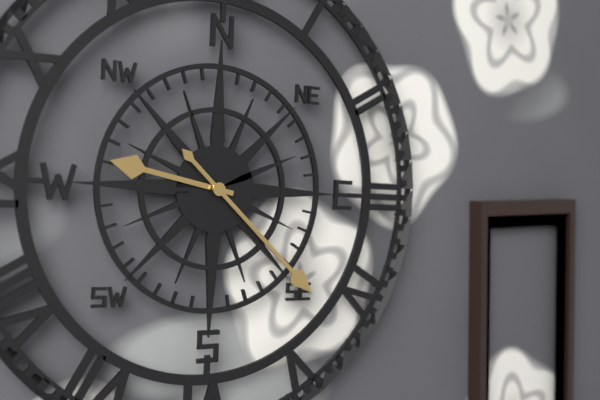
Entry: h=9 m=22
